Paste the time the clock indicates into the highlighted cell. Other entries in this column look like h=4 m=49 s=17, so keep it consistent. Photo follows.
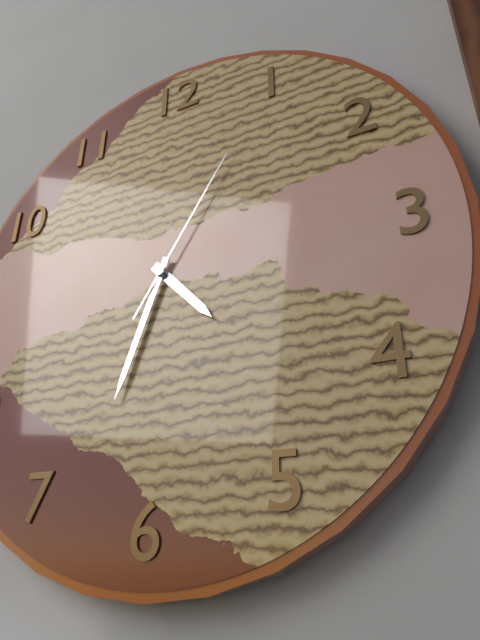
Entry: h=4 m=33 s=5
